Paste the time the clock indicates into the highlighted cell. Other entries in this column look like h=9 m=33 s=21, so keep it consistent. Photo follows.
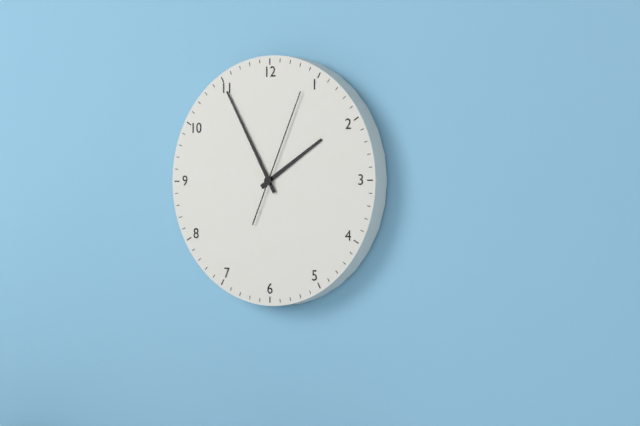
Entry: h=1 m=55 s=4
